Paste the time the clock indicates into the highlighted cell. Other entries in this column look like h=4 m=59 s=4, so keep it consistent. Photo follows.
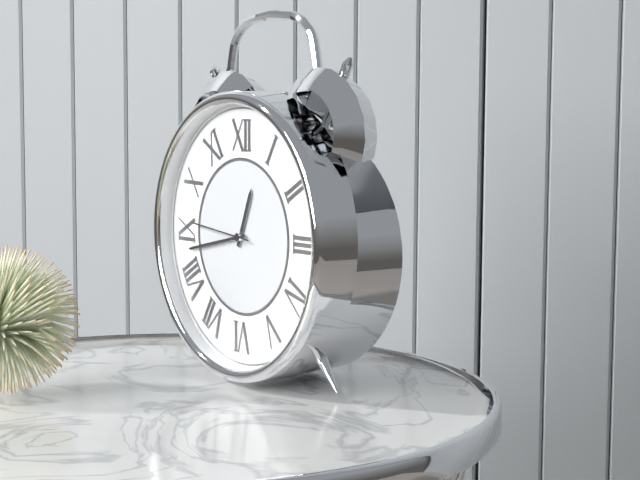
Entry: h=12 m=43 s=46
